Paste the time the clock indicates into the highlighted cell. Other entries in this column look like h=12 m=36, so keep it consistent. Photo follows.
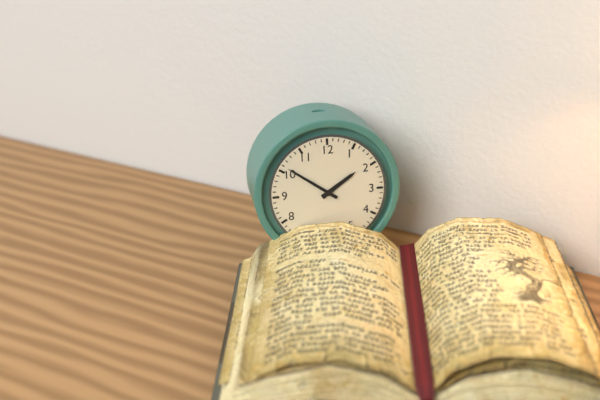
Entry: h=1 m=51
